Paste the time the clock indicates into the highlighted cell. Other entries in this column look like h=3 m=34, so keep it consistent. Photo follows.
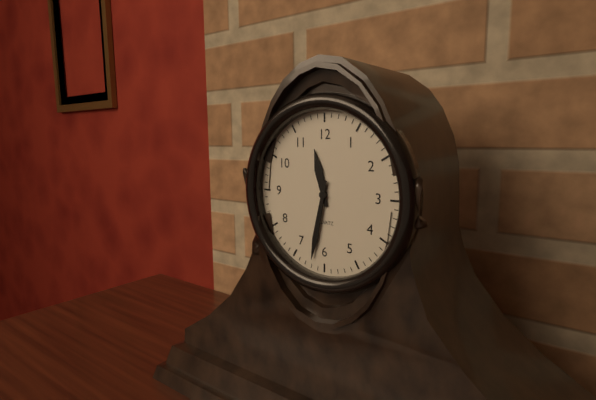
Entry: h=11 m=32
